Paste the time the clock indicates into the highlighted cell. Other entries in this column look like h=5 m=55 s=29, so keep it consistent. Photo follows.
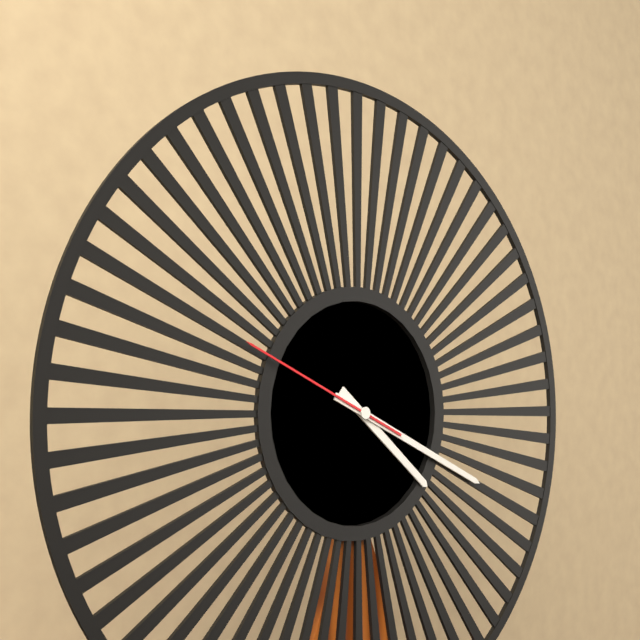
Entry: h=4 m=19 s=49
